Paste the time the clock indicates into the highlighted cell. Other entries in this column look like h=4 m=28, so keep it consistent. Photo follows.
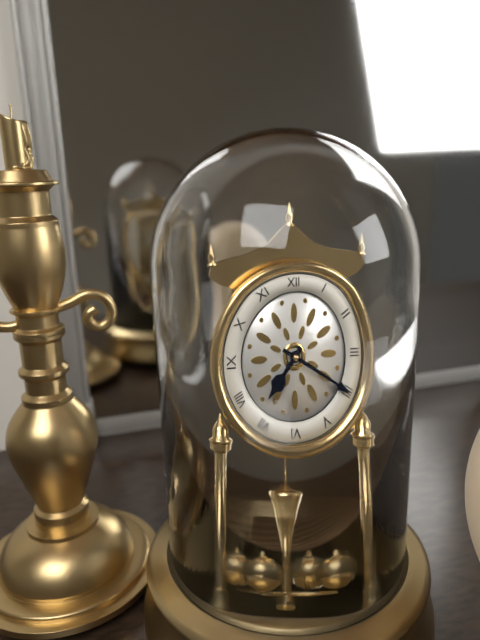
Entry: h=7 m=20
